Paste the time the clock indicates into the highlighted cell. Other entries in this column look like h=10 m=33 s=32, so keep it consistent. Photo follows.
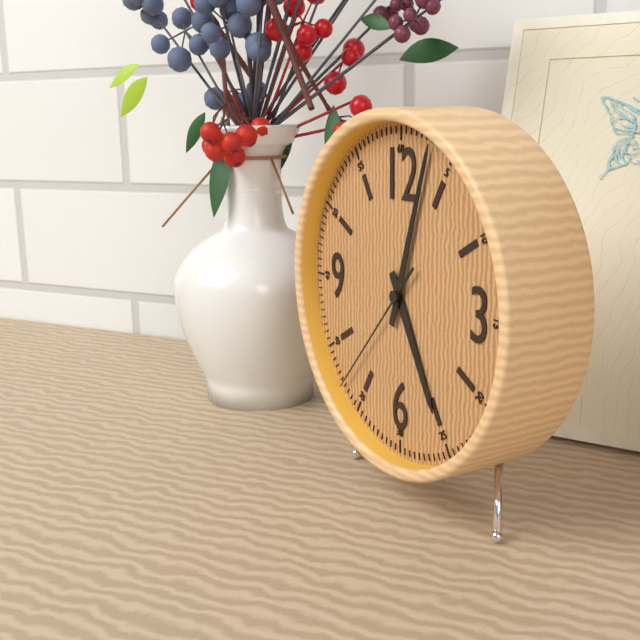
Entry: h=5 m=3 s=37
